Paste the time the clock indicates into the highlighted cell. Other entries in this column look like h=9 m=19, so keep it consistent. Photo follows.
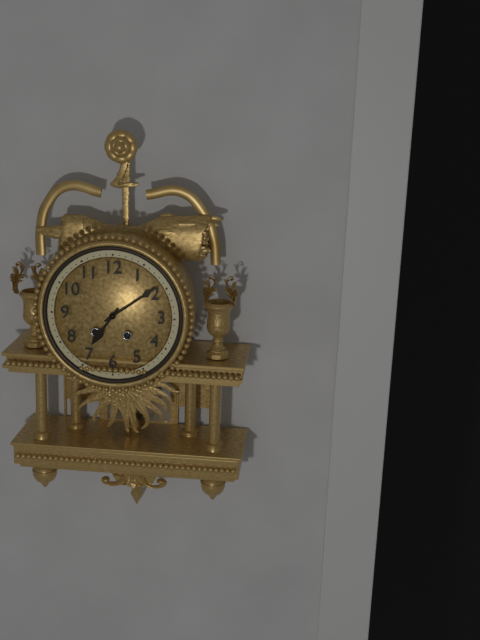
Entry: h=7 m=9
